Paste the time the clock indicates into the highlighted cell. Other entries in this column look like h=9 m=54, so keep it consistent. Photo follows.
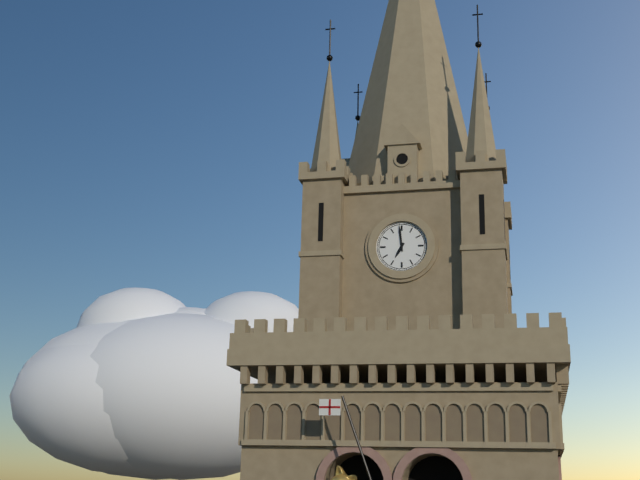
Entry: h=6 m=59
